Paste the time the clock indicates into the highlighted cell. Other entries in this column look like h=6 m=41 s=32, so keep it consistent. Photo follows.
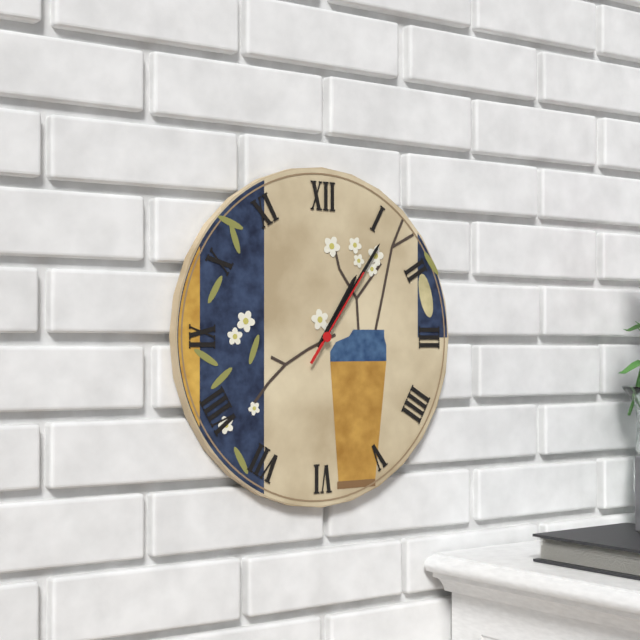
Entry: h=1 m=6 s=6
